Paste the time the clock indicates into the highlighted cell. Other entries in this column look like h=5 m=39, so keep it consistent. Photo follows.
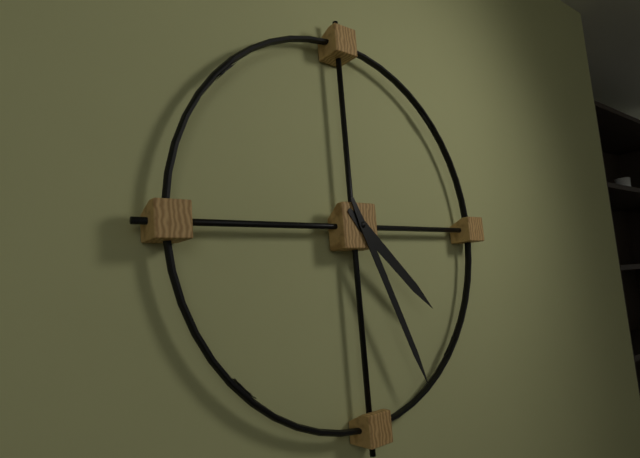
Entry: h=4 m=26
